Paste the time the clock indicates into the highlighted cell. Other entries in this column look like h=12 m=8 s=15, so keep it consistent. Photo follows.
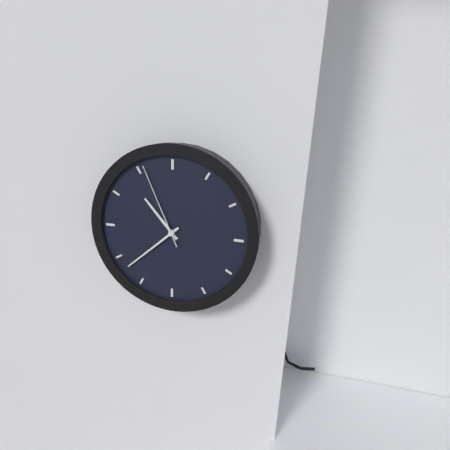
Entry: h=10 m=38 s=56
